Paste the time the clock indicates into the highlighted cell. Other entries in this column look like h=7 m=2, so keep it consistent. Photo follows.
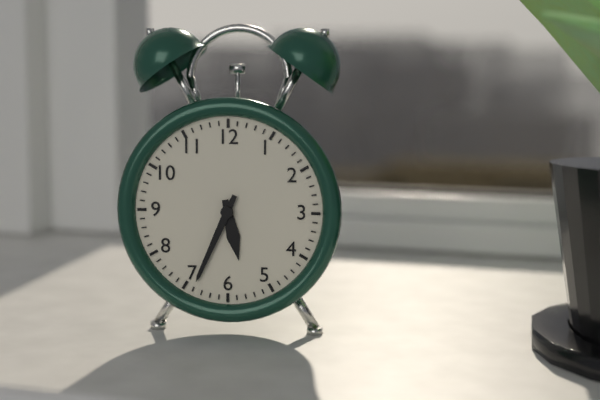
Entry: h=5 m=34
